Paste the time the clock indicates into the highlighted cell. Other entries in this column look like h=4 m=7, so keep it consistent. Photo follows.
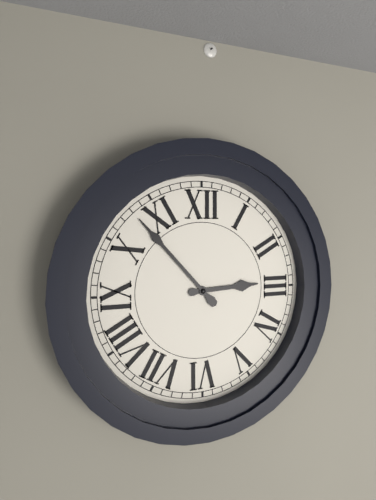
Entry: h=2 m=53
